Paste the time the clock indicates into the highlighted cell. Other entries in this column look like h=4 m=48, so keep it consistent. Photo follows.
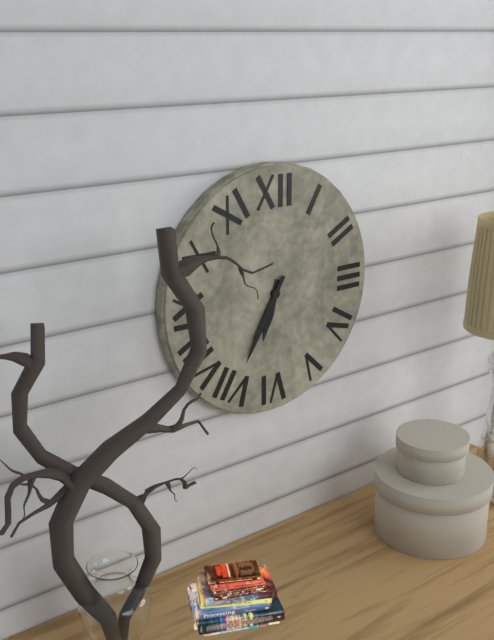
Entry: h=6 m=35
